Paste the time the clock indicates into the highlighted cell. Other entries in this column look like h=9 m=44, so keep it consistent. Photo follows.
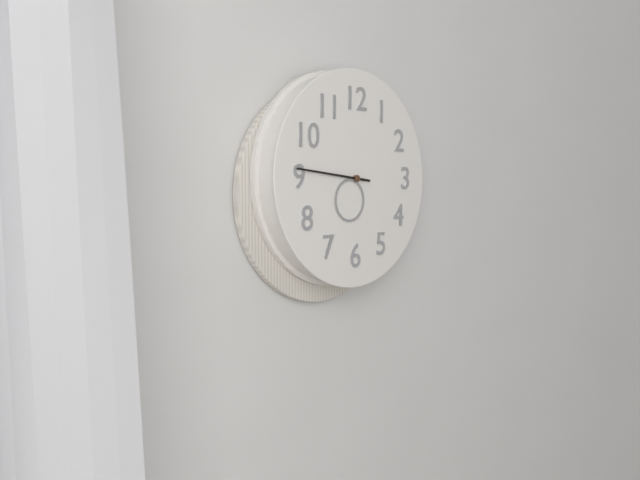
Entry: h=6 m=46
